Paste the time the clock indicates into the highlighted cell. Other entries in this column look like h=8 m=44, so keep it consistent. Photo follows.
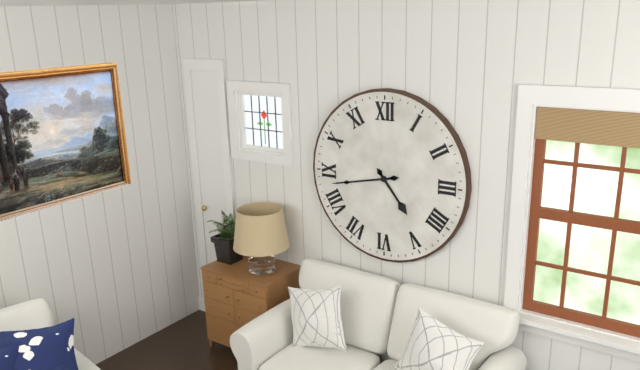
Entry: h=4 m=43
